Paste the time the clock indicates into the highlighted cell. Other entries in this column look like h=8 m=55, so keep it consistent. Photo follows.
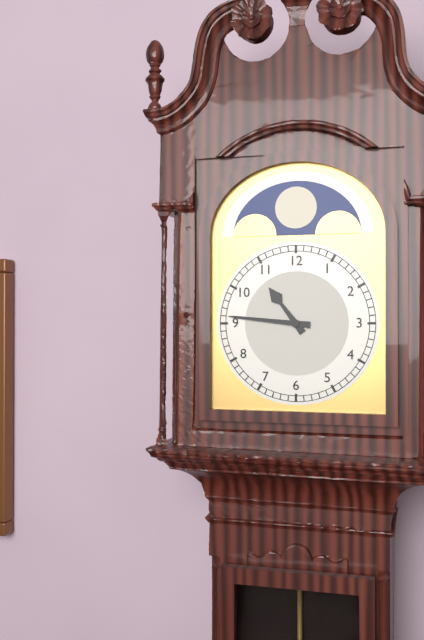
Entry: h=10 m=46
